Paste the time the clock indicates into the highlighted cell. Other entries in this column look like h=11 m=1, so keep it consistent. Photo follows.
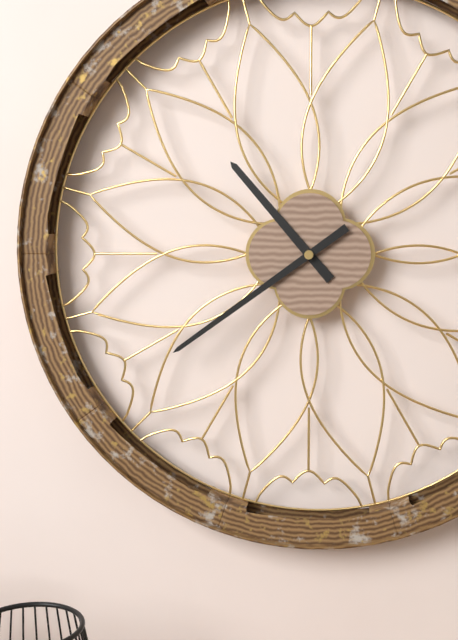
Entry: h=10 m=39
